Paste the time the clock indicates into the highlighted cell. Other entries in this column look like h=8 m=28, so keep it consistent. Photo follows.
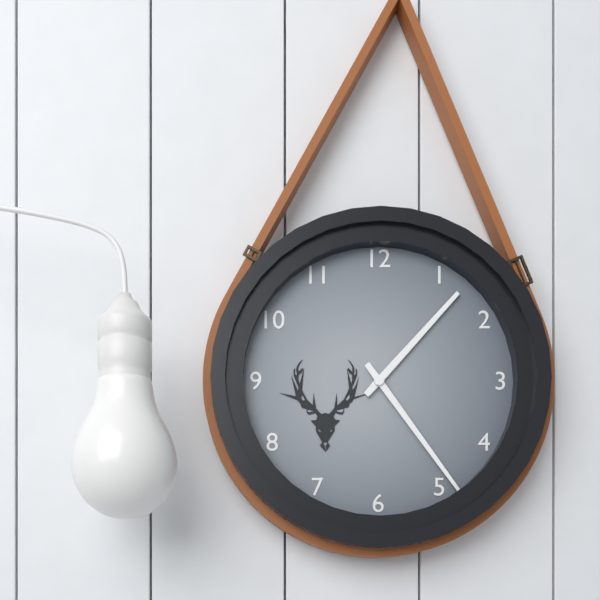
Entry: h=1 m=24
